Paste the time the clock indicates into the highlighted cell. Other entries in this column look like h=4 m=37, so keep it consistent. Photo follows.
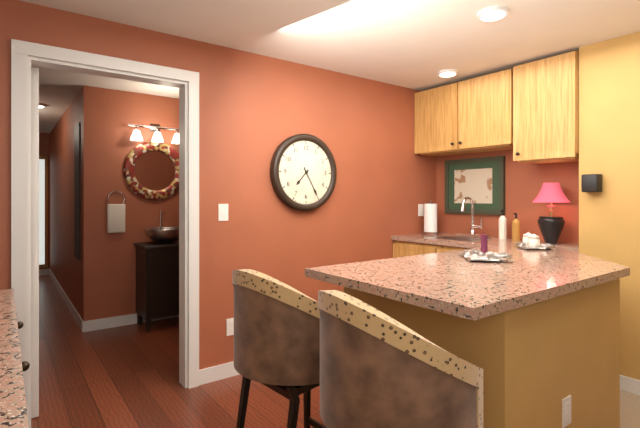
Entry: h=7 m=25
